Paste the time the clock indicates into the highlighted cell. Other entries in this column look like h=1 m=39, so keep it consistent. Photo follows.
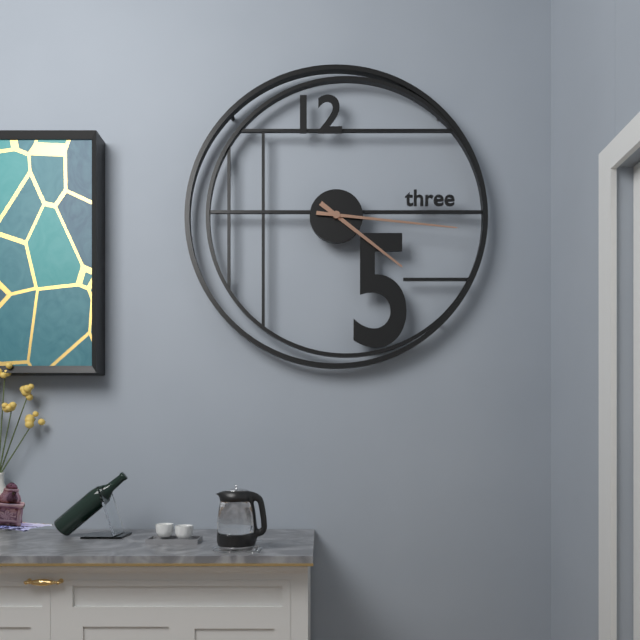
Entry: h=4 m=16
